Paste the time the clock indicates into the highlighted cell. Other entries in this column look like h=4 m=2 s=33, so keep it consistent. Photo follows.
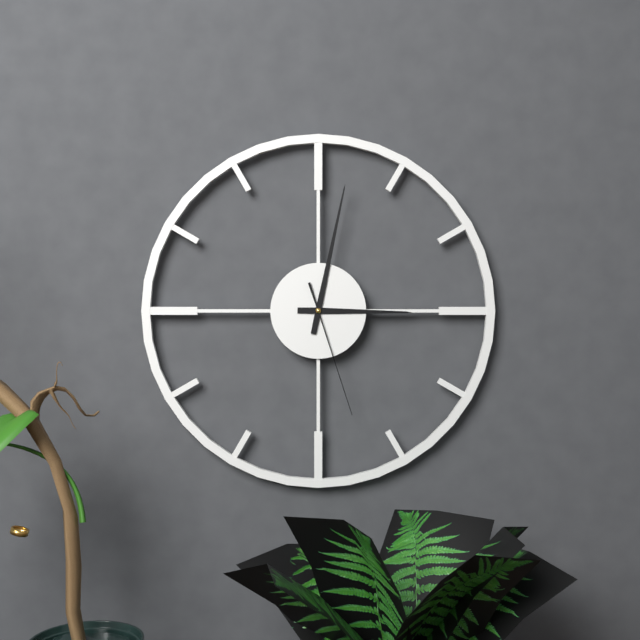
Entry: h=3 m=2 s=27
